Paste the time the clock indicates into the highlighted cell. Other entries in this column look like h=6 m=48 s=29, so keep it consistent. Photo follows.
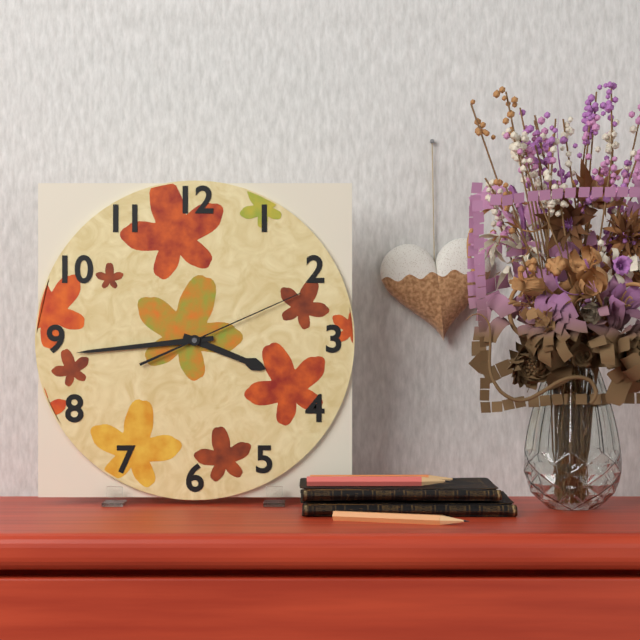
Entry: h=3 m=44 s=11
